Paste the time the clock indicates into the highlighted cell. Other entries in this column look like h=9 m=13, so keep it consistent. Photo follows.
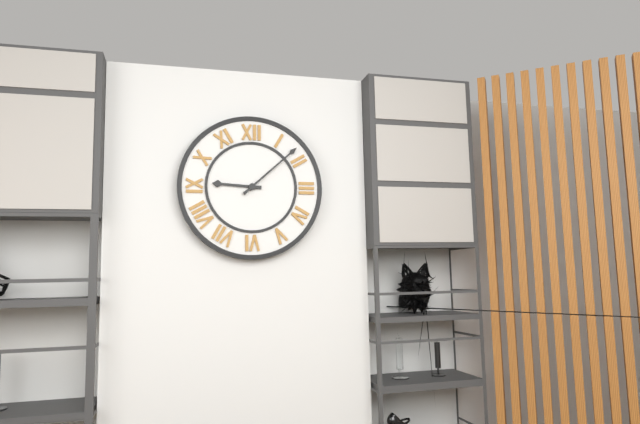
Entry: h=9 m=8
